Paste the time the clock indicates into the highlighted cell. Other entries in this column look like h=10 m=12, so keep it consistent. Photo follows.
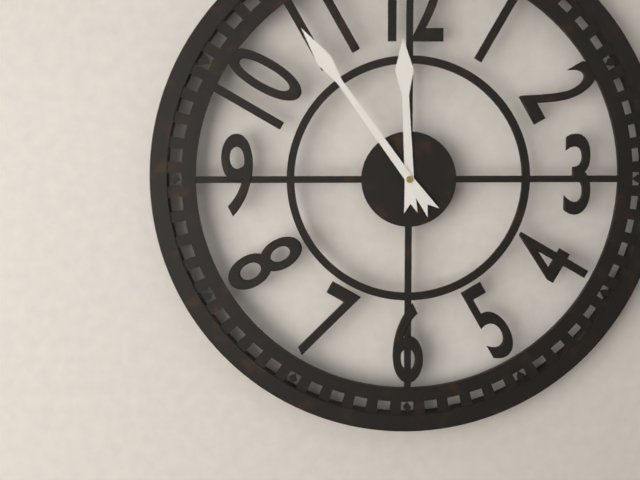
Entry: h=11 m=54
